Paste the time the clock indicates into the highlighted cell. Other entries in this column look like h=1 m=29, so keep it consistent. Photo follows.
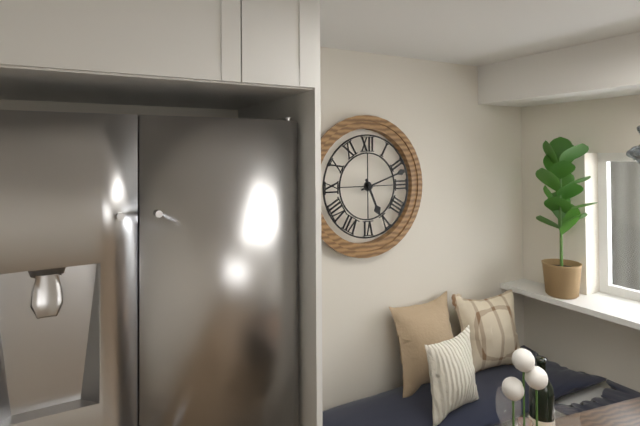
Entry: h=5 m=12
